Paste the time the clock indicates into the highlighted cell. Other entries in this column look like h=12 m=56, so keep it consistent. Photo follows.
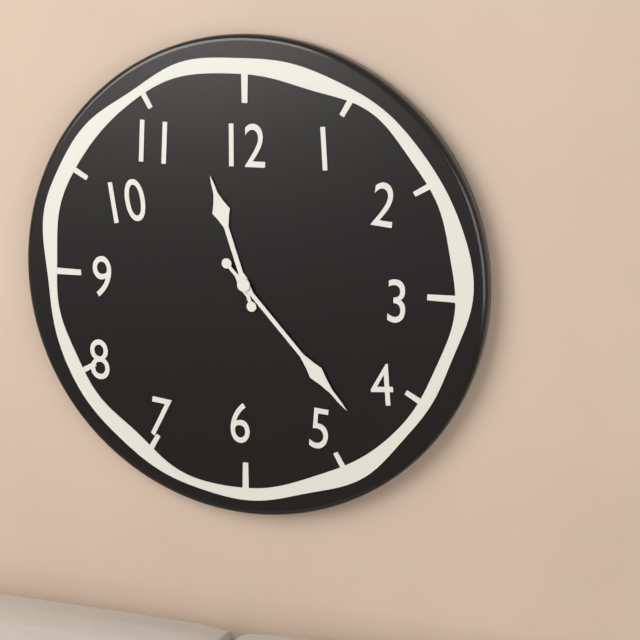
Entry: h=11 m=23
